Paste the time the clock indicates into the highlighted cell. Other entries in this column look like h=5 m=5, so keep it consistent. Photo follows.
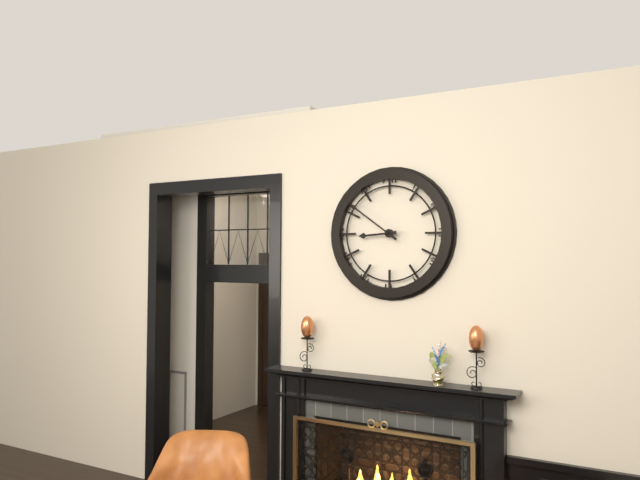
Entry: h=8 m=51
